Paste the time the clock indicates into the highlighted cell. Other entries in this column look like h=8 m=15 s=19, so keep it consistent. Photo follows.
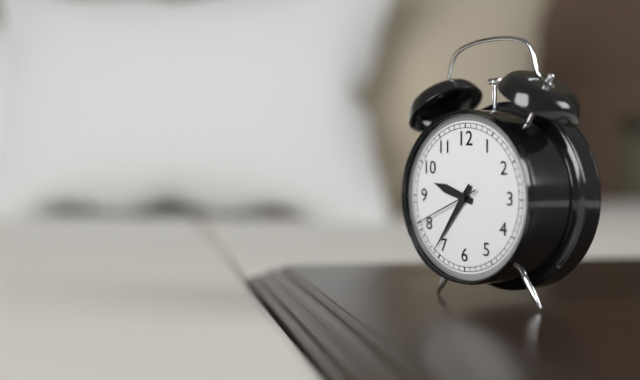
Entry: h=9 m=36 s=41
